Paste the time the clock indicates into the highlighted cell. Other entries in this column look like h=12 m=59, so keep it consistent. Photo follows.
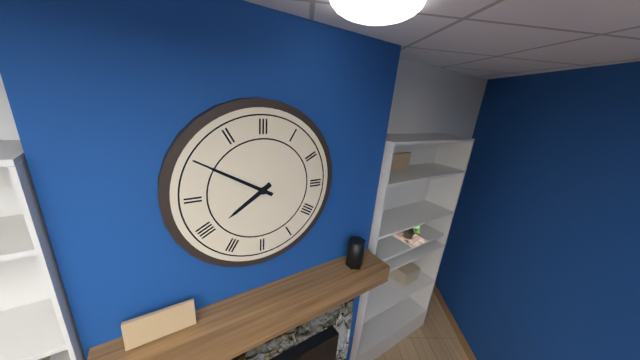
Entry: h=7 m=50
